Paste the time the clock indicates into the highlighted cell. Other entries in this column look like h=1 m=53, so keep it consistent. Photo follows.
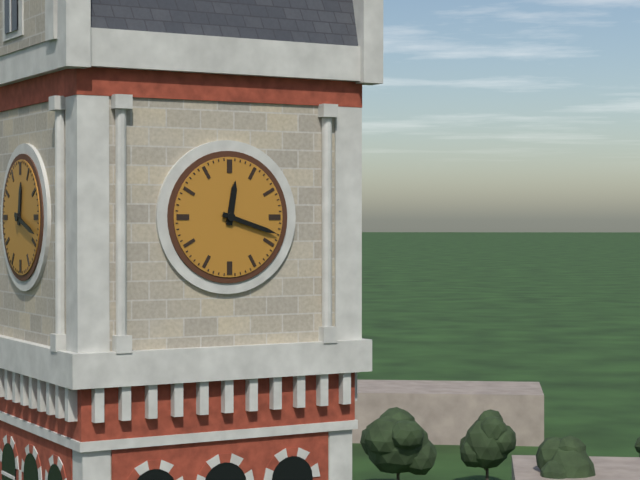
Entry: h=12 m=18
